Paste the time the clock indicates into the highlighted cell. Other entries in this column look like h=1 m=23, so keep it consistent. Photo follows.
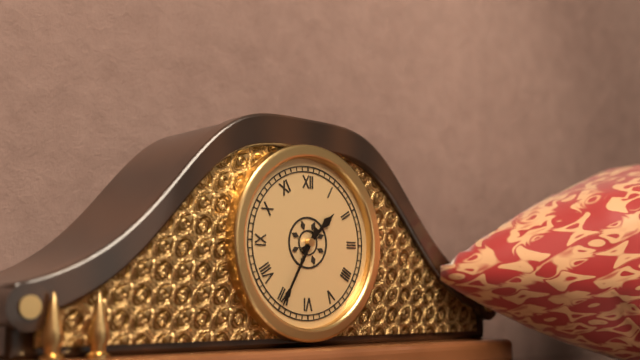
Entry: h=1 m=35
